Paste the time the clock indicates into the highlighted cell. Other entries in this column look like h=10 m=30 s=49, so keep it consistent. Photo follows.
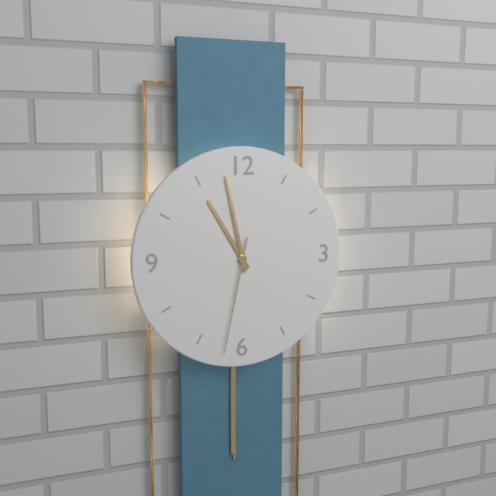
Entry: h=10 m=58 s=32
